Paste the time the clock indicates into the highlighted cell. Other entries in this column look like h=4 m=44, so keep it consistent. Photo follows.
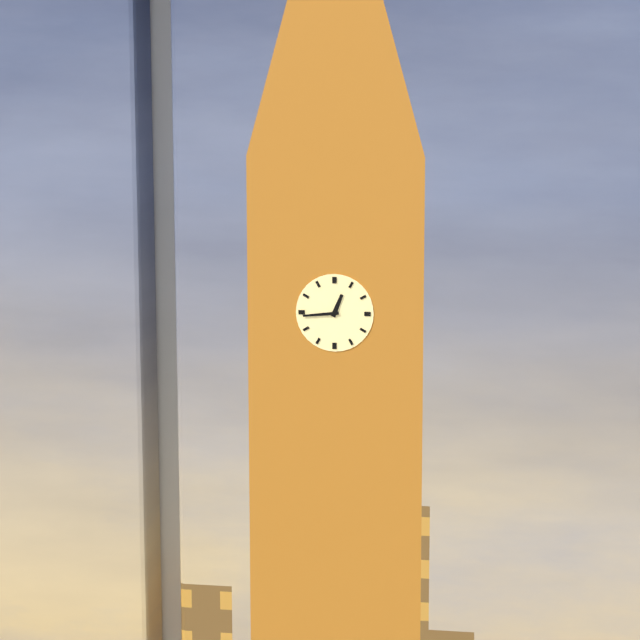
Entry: h=12 m=44
